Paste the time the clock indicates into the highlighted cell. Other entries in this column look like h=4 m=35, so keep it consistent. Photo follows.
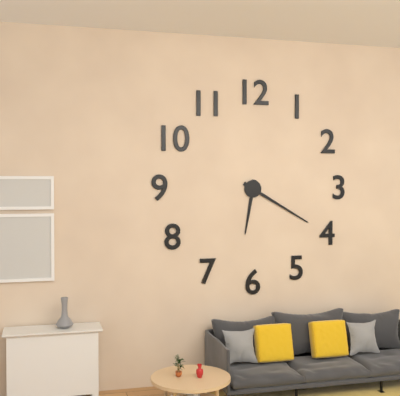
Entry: h=6 m=20
